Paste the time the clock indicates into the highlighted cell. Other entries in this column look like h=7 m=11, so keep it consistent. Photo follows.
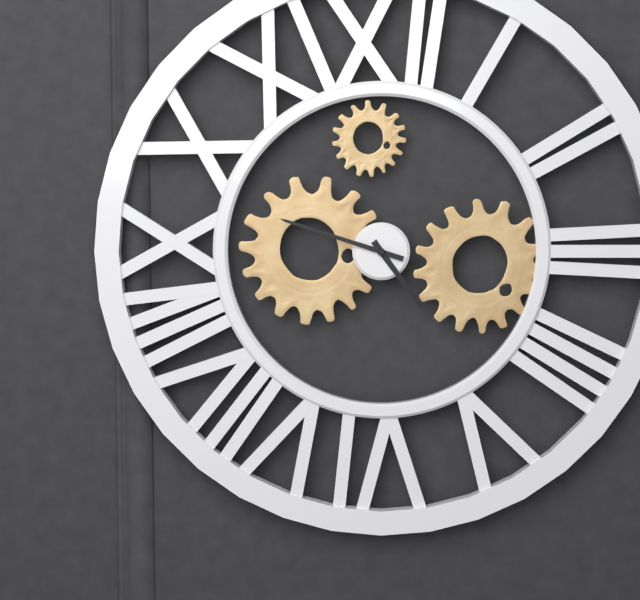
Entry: h=4 m=48
